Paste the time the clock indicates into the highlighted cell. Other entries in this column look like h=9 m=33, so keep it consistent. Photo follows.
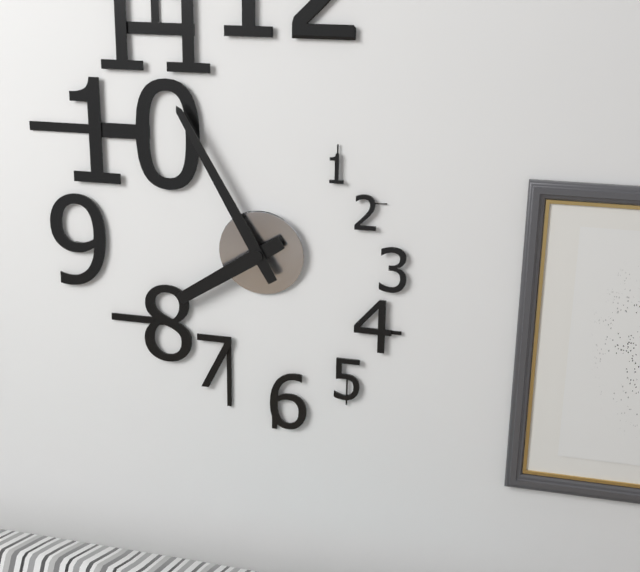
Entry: h=7 m=55
